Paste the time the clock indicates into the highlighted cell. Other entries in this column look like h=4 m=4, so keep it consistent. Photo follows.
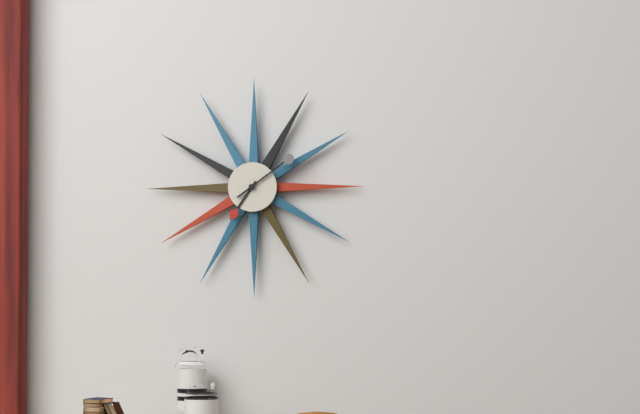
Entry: h=7 m=9
